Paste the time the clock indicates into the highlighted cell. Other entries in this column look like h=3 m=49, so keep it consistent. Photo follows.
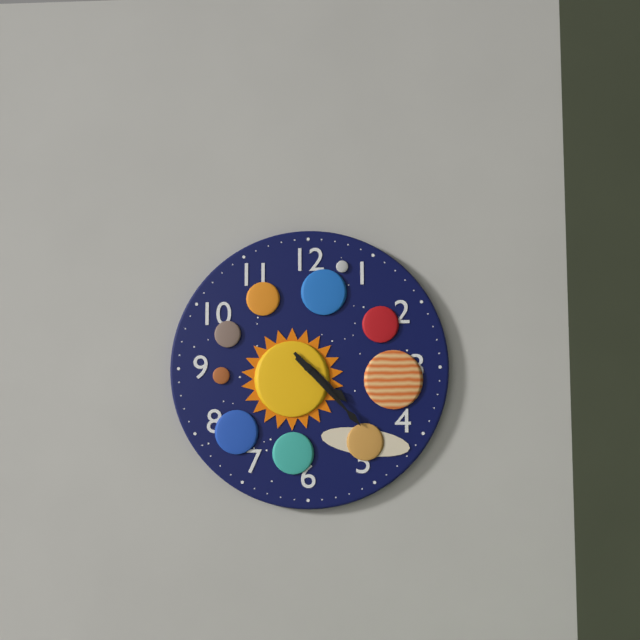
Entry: h=4 m=23
